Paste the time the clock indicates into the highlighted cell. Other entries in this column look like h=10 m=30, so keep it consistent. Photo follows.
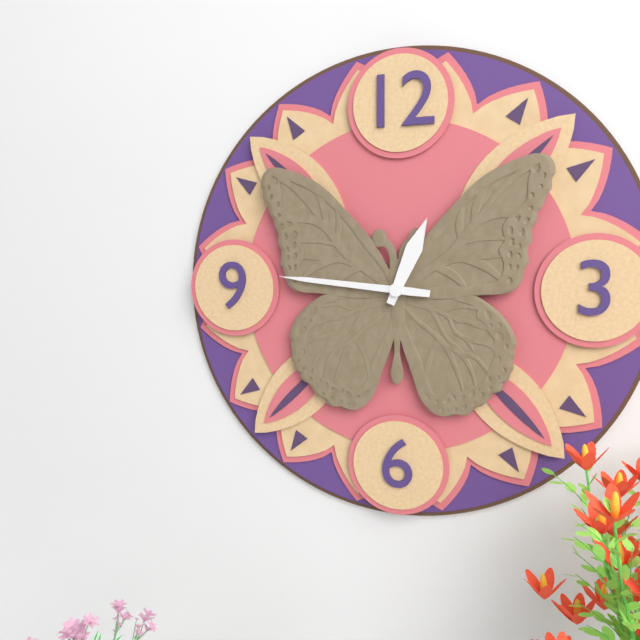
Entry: h=12 m=46
